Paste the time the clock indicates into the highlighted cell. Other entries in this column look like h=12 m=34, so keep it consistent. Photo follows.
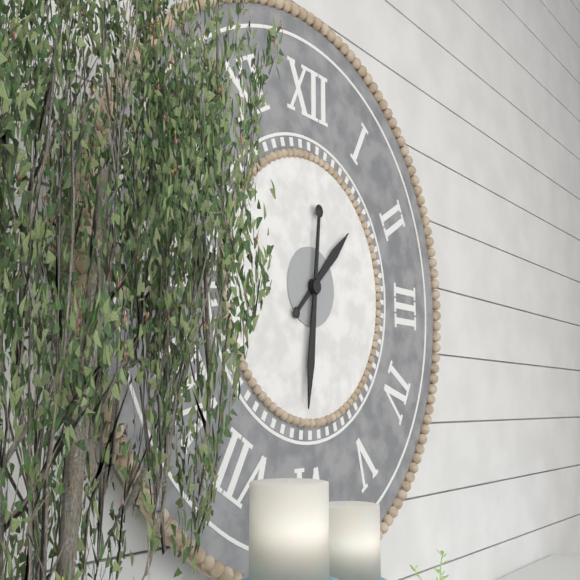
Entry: h=1 m=31
